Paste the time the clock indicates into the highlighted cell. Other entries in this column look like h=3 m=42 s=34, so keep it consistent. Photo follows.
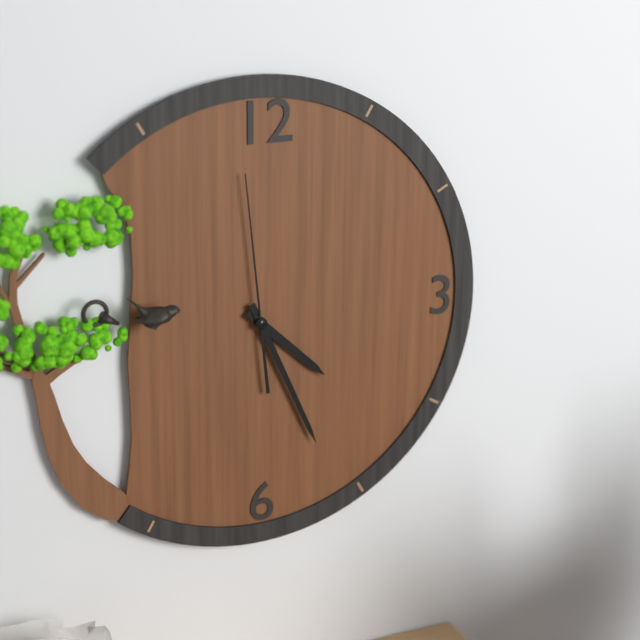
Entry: h=4 m=26 s=59
